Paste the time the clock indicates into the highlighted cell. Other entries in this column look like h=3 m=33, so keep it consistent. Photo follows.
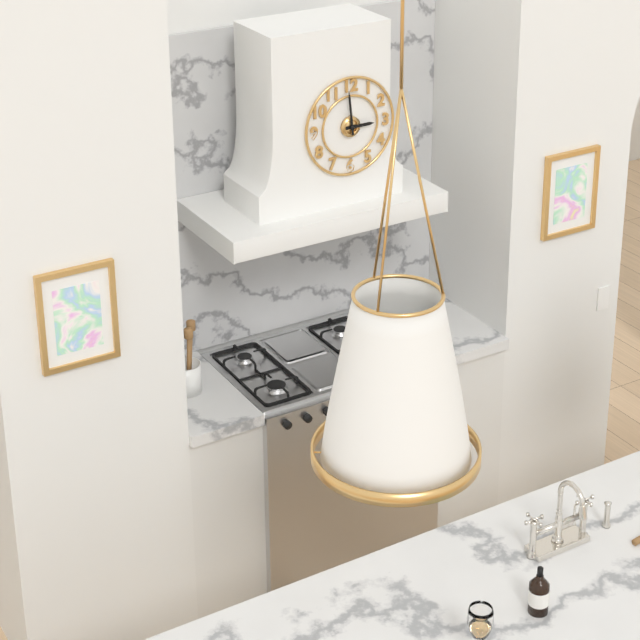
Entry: h=2 m=59
